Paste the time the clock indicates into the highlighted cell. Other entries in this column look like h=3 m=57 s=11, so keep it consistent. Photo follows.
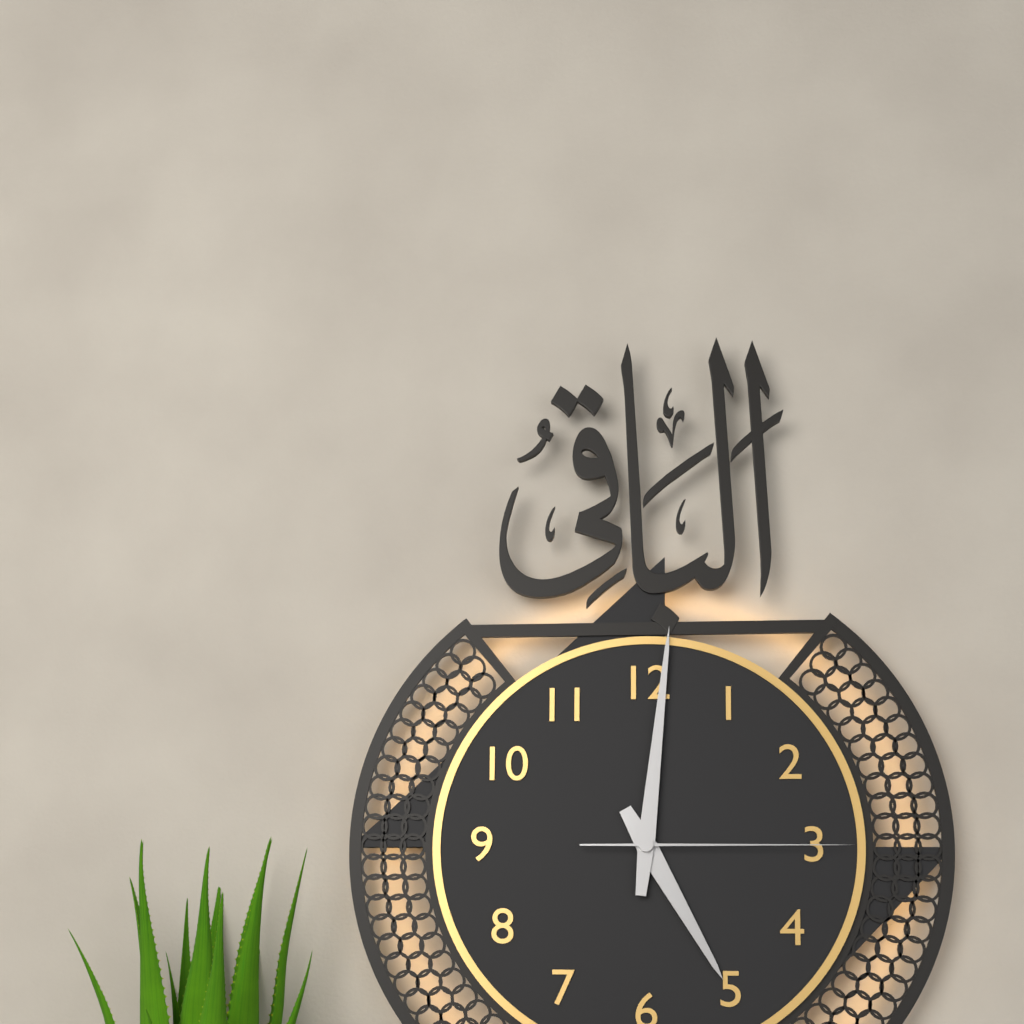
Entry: h=5 m=1 s=15
